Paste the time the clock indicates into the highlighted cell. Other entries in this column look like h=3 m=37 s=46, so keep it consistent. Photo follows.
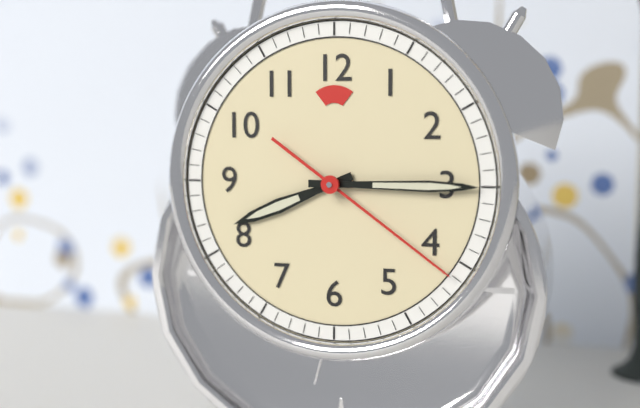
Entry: h=8 m=15 s=21
